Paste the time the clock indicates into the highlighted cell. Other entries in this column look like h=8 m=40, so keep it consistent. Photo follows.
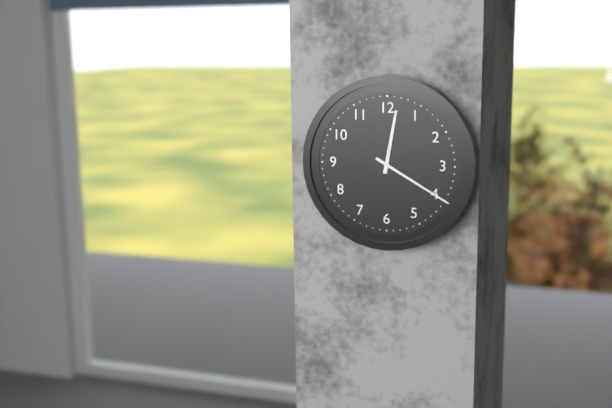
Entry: h=12 m=20
